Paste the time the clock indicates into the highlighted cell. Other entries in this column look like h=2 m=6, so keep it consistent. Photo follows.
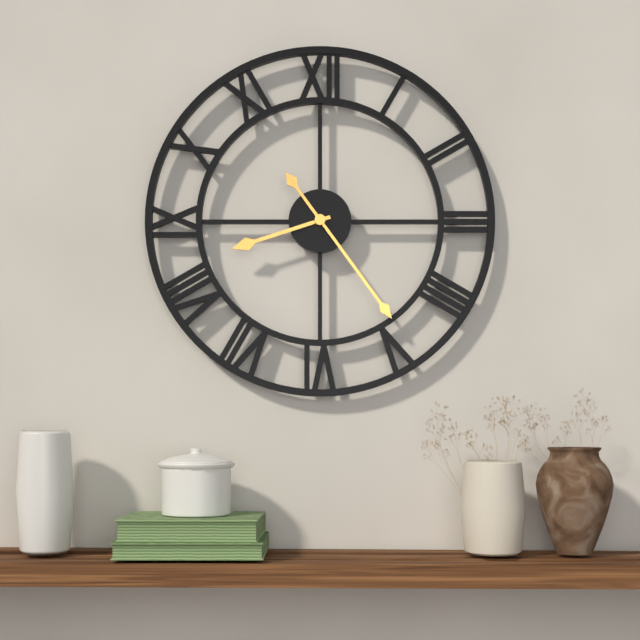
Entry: h=8 m=24
